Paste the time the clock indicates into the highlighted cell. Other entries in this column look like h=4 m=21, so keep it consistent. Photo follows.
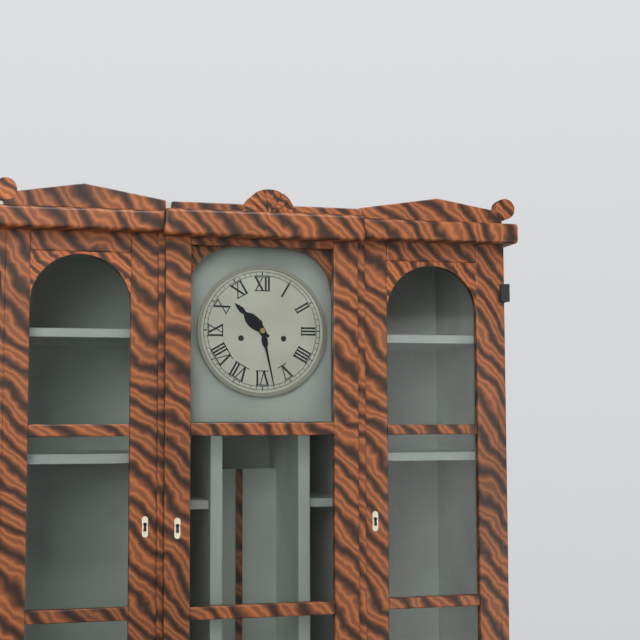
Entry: h=10 m=28
